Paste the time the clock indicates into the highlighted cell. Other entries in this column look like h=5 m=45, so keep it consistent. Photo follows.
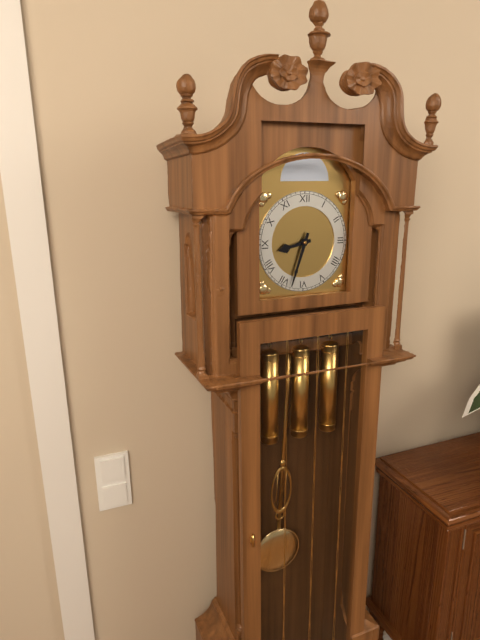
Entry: h=8 m=33
